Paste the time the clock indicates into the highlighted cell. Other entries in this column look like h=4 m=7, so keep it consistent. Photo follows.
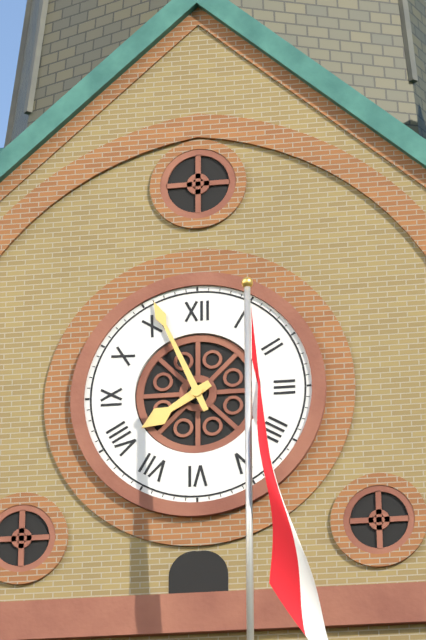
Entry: h=7 m=56
